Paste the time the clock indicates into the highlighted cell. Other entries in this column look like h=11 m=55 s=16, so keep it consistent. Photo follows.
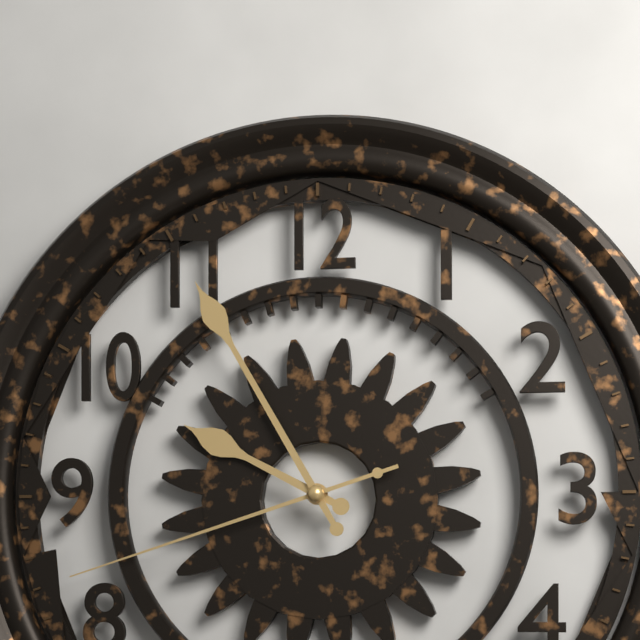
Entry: h=9 m=55 s=42
